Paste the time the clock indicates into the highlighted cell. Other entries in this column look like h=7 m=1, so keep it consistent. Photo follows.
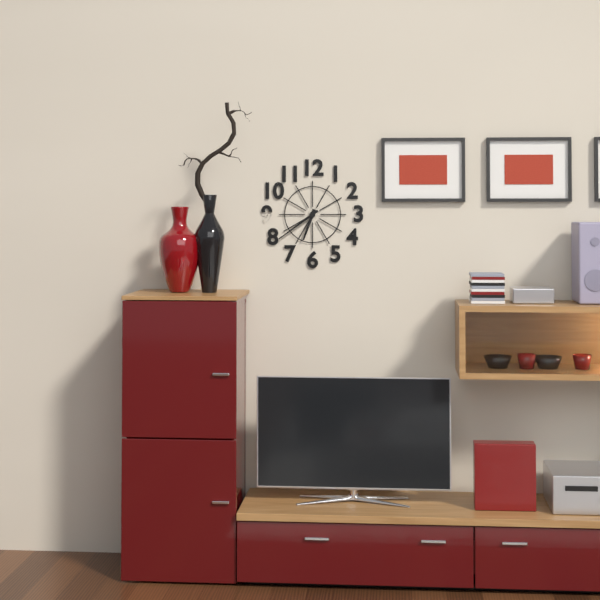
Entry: h=6 m=39
